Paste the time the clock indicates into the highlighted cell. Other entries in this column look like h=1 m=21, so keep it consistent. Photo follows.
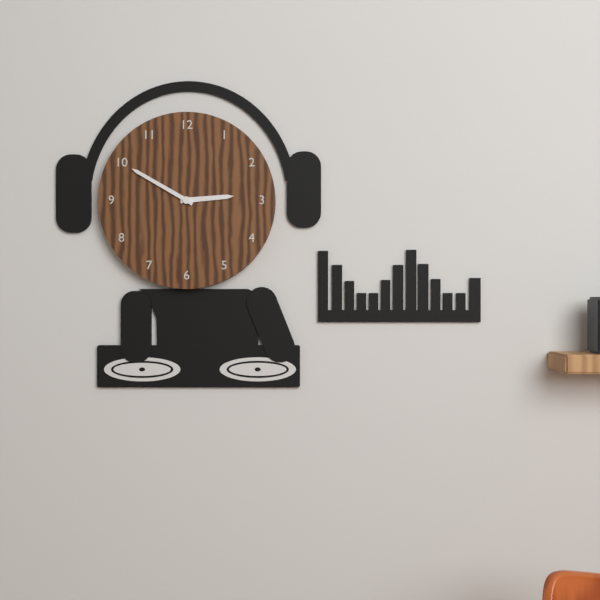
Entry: h=2 m=50
